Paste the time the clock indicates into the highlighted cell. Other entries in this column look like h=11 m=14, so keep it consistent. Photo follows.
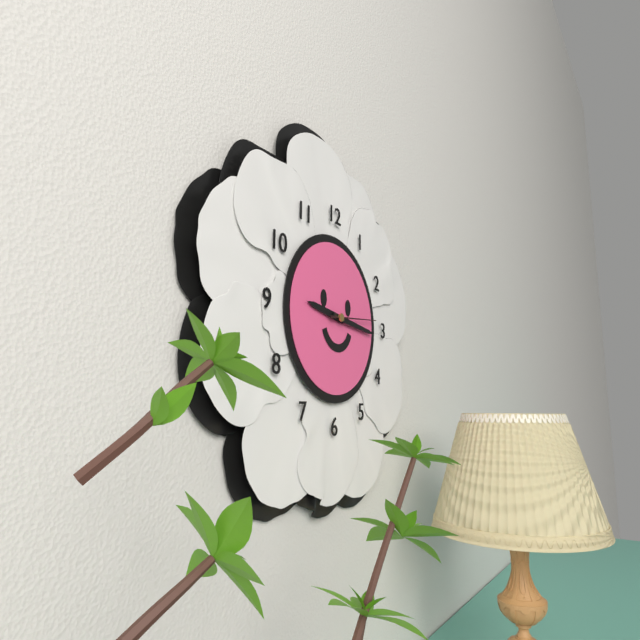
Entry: h=9 m=16
